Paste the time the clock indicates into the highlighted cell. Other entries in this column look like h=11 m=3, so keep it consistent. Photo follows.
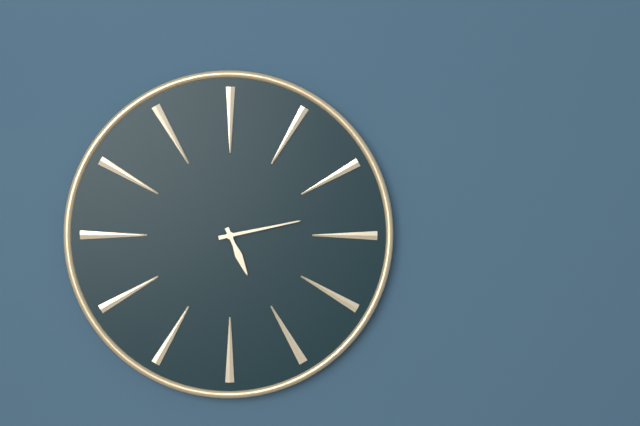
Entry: h=5 m=13
